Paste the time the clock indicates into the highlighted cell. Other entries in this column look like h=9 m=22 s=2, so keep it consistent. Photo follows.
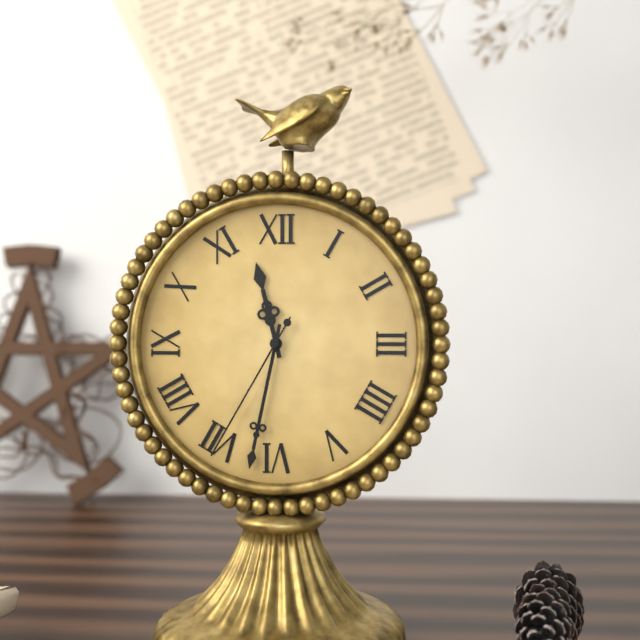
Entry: h=11 m=32 s=35
